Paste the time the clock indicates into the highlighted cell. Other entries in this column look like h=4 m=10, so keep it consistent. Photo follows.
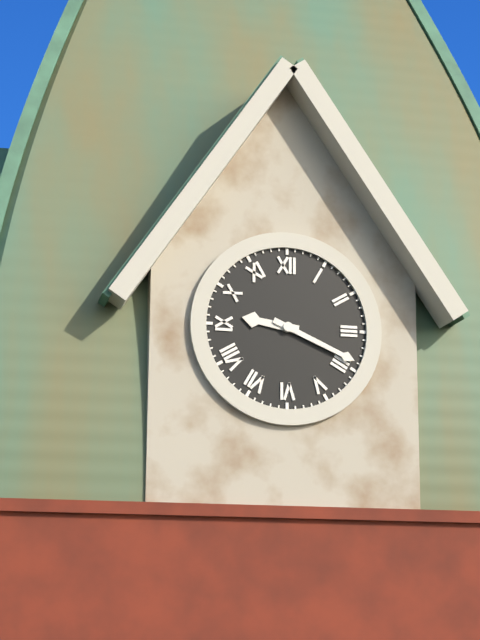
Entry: h=9 m=19
